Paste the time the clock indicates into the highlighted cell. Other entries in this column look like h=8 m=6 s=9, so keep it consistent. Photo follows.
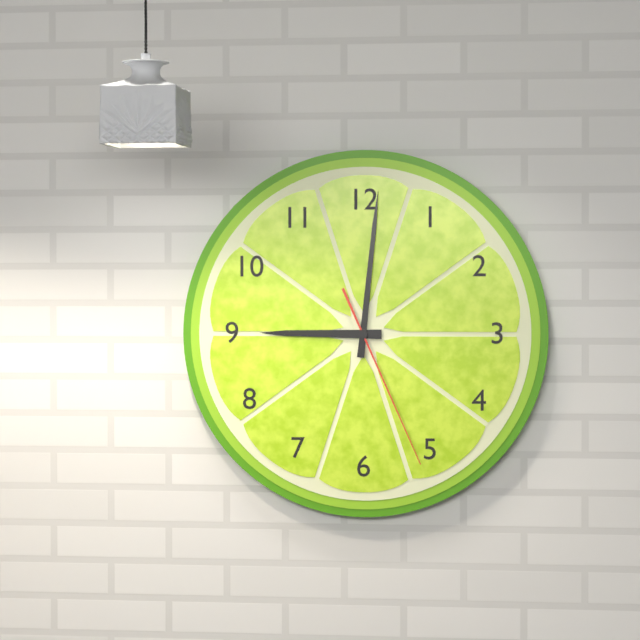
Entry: h=9 m=1 s=26
